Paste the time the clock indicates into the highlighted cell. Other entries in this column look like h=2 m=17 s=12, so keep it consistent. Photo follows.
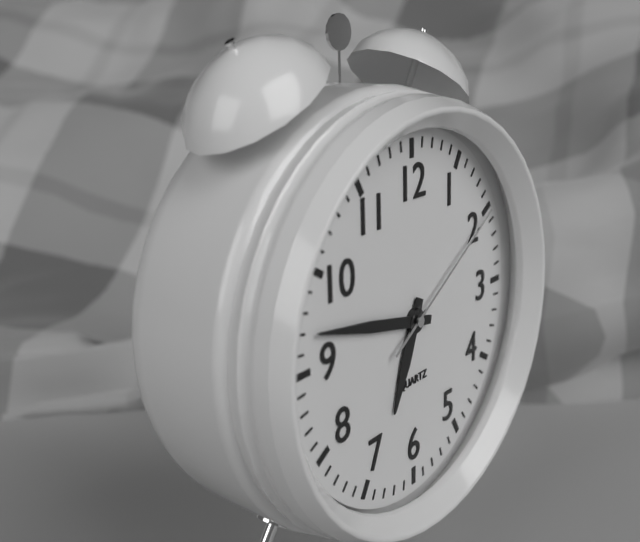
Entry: h=6 m=47 s=10
